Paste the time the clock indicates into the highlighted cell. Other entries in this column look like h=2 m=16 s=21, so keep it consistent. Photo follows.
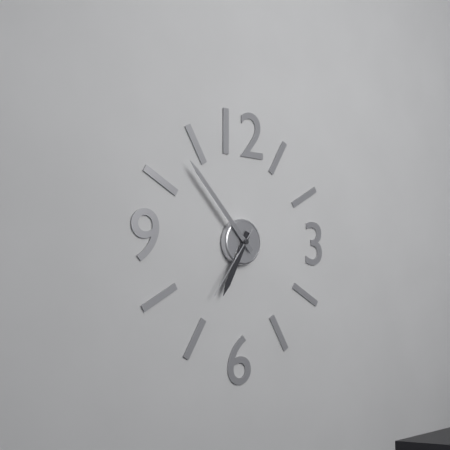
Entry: h=6 m=53 s=36
